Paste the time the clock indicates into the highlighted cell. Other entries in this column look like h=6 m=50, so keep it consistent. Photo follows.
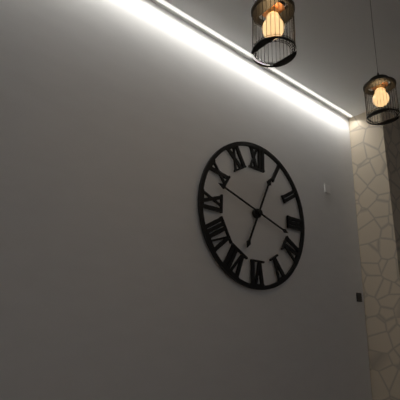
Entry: h=12 m=48
